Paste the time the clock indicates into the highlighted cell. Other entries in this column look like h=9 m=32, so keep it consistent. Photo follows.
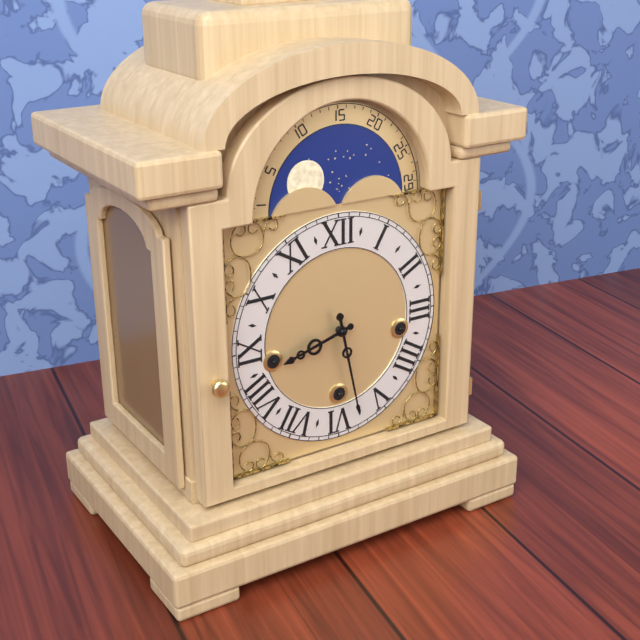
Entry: h=8 m=28
